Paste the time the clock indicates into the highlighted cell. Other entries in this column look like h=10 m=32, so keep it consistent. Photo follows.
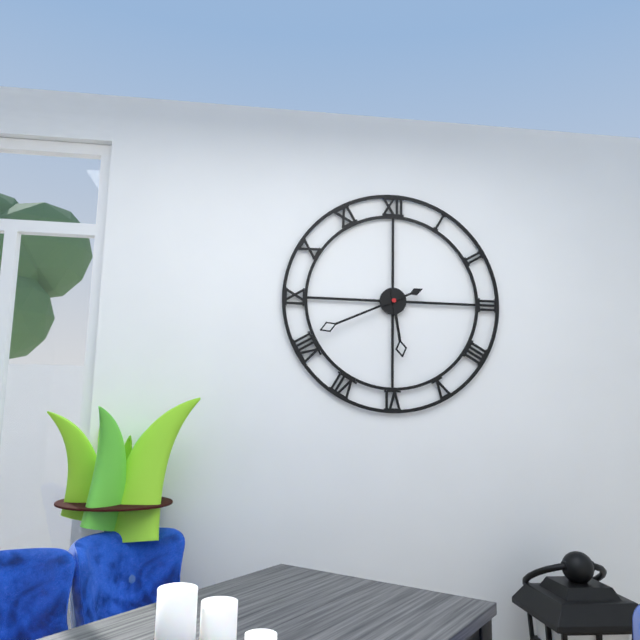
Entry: h=5 m=41
